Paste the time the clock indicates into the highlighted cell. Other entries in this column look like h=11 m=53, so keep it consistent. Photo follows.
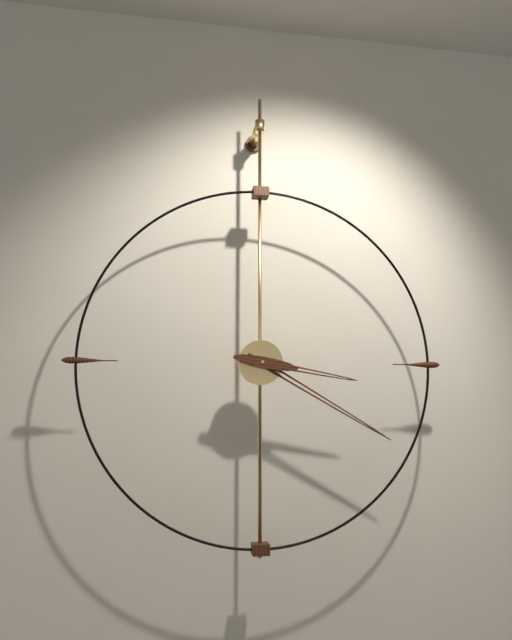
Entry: h=3 m=20
